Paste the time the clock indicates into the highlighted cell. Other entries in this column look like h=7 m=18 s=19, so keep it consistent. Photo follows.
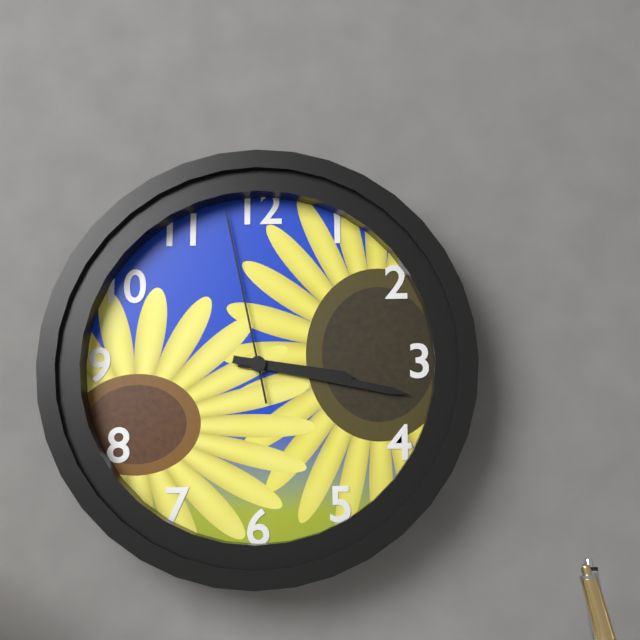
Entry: h=3 m=17 s=58
